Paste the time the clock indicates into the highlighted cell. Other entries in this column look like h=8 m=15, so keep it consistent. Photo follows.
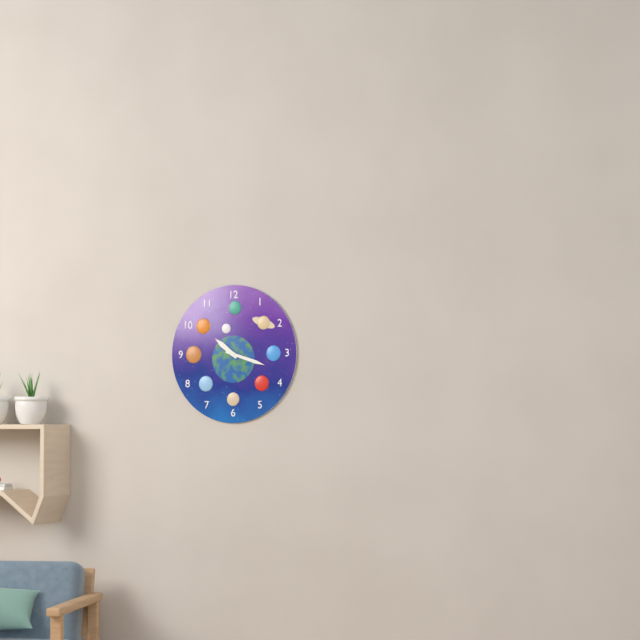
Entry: h=10 m=18
